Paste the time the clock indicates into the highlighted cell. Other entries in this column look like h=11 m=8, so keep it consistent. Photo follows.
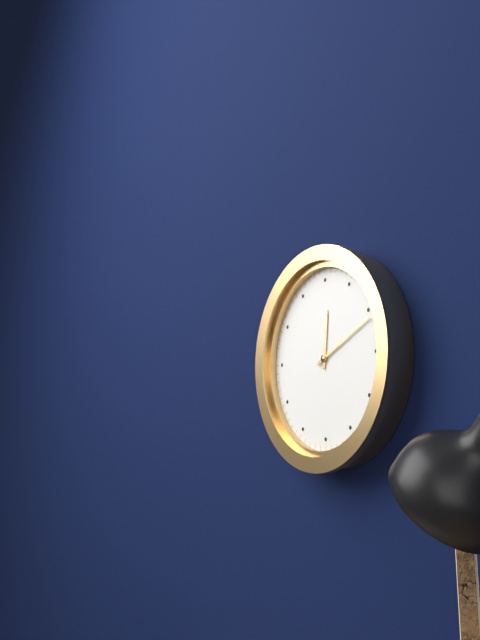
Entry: h=12 m=11
